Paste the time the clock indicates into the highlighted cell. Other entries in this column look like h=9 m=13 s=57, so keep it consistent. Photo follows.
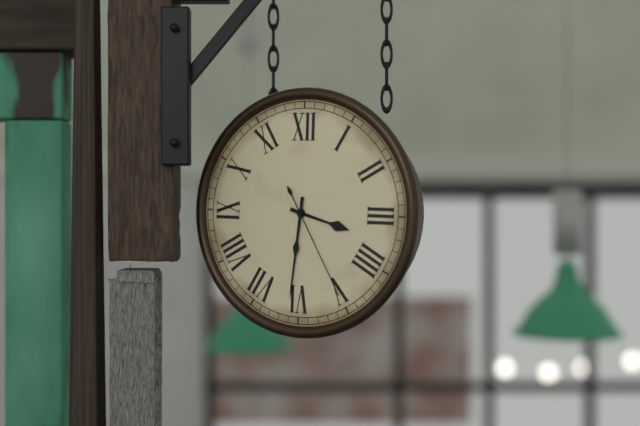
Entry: h=3 m=31 s=25
